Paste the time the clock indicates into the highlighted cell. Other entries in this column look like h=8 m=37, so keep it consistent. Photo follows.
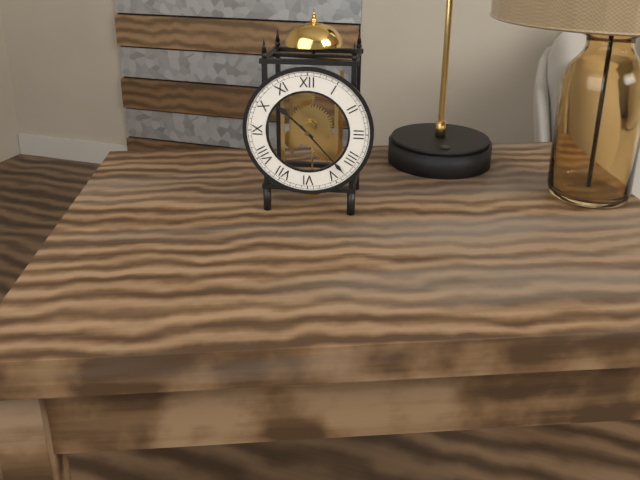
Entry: h=10 m=23
